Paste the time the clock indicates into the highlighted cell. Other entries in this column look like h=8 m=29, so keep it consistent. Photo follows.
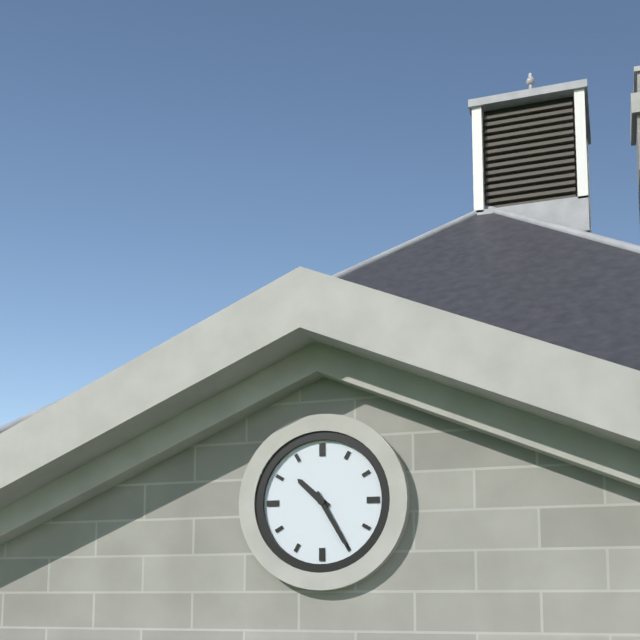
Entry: h=10 m=25
